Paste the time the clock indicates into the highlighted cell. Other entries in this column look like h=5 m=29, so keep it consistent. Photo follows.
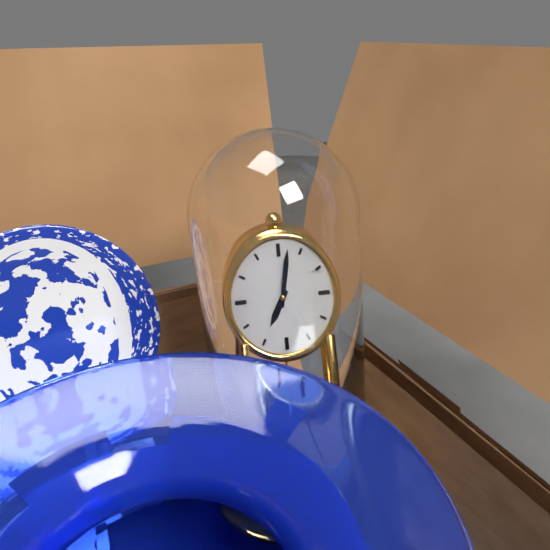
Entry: h=7 m=2
